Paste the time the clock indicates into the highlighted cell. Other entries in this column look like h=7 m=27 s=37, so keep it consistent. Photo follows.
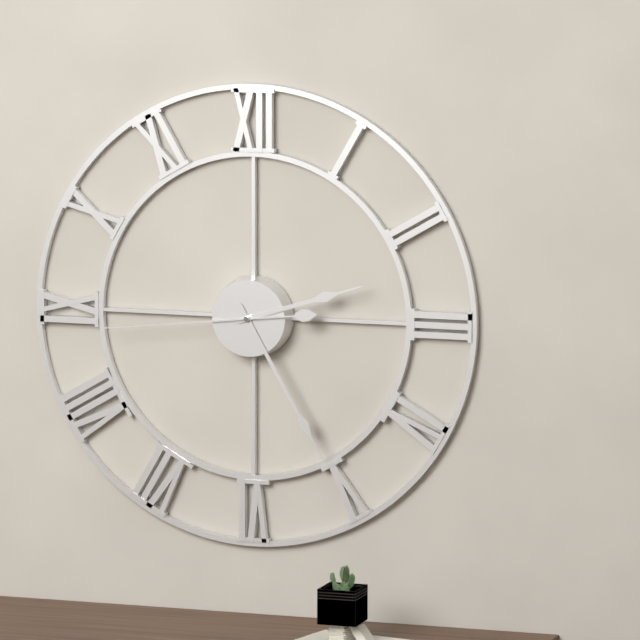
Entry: h=2 m=25 s=44
